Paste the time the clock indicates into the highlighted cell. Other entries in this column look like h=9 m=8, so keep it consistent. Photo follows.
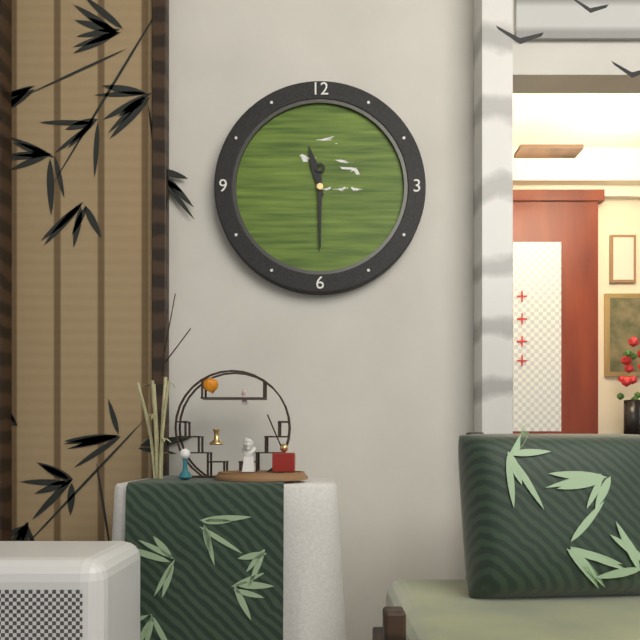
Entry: h=11 m=30
